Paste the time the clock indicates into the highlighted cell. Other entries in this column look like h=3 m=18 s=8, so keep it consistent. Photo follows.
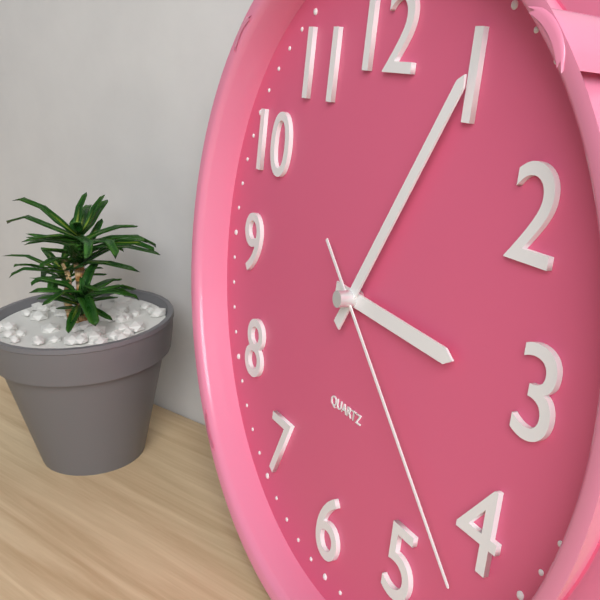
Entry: h=3 m=5 s=22
